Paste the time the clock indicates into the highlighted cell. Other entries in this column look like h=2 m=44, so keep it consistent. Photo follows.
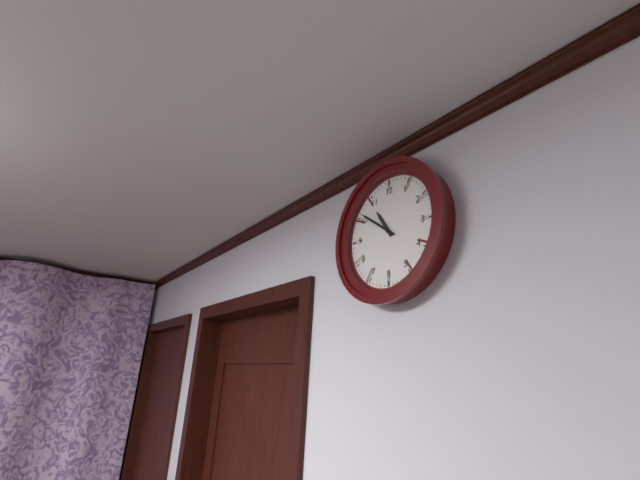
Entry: h=10 m=51
